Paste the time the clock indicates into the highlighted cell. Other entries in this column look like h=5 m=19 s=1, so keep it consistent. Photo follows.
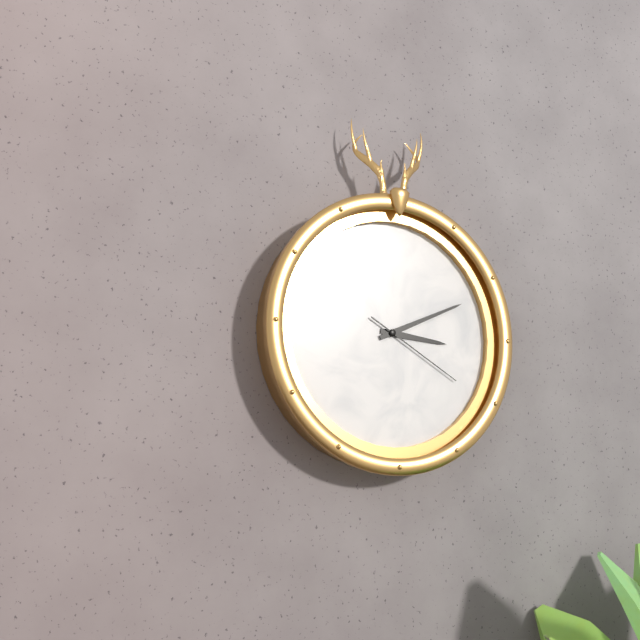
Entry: h=3 m=11 s=20
